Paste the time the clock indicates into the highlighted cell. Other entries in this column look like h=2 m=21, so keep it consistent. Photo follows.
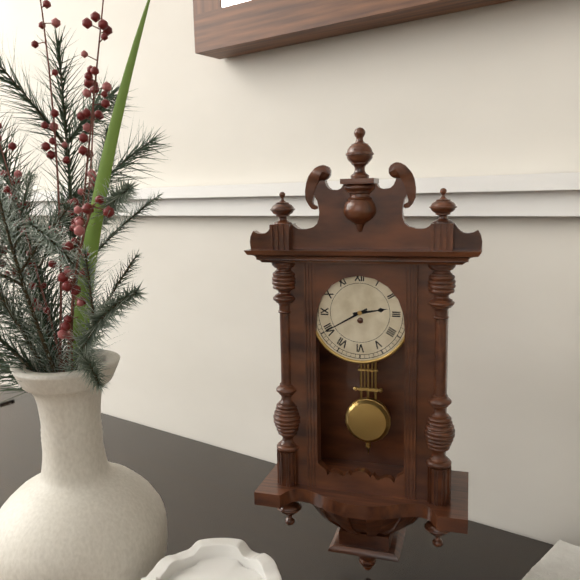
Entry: h=2 m=40
